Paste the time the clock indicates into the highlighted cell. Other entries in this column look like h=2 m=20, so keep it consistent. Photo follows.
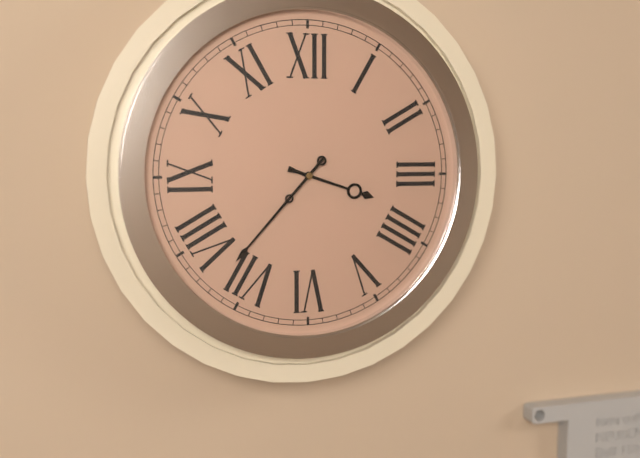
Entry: h=3 m=37
